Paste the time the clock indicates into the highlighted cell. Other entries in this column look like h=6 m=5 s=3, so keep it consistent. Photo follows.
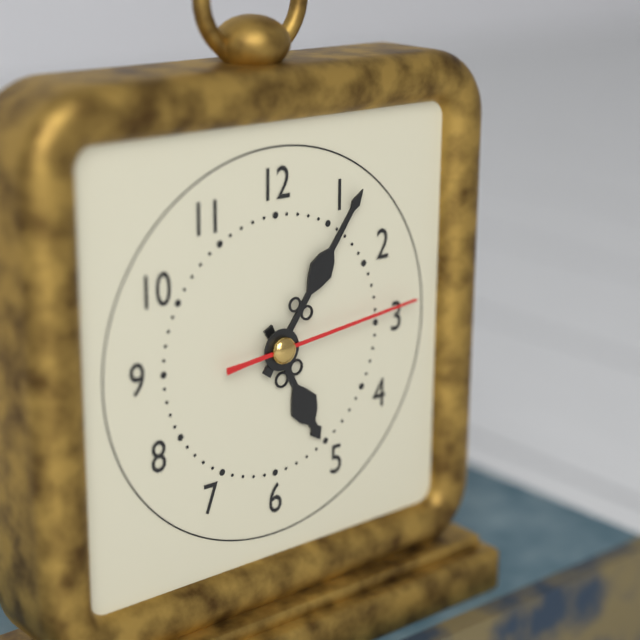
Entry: h=5 m=6 s=14
